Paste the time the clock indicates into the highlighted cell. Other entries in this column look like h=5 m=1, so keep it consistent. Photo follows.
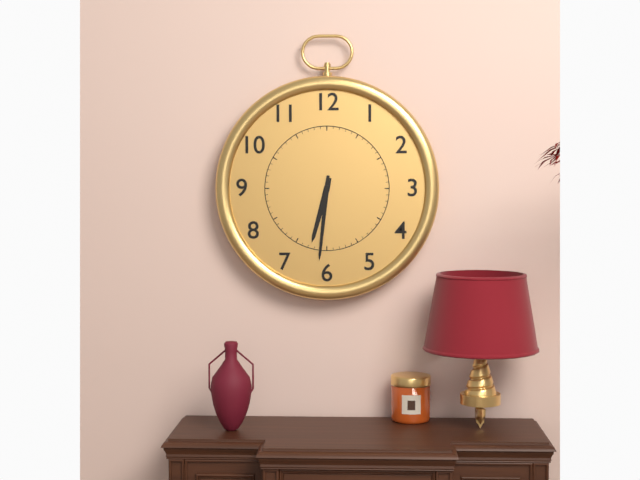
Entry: h=6 m=31
